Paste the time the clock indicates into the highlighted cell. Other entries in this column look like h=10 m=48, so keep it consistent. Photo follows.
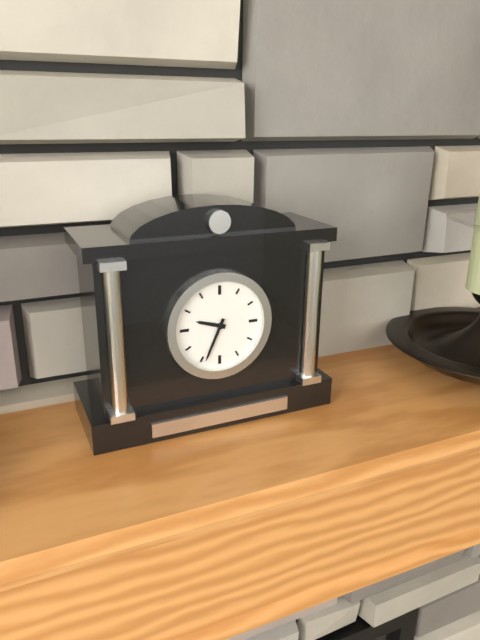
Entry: h=9 m=34
